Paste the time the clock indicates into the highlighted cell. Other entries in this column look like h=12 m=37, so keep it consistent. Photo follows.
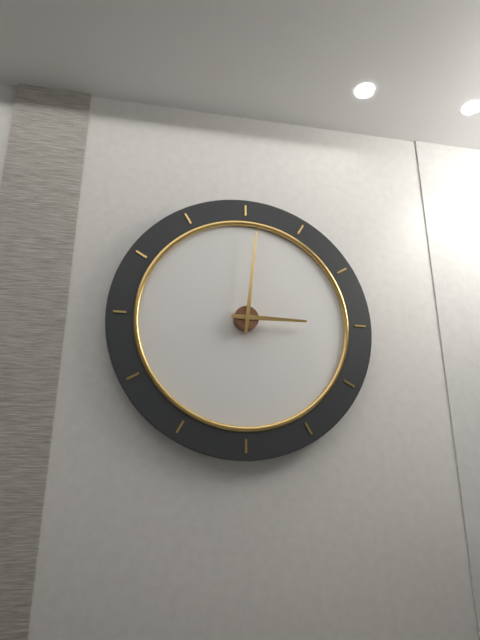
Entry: h=3 m=1
